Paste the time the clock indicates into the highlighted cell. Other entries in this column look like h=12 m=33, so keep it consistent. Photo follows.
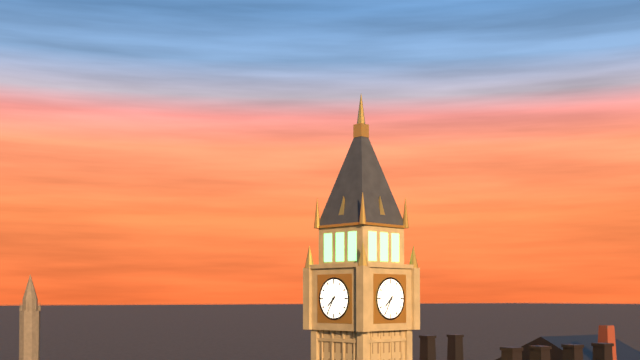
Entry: h=7 m=35
